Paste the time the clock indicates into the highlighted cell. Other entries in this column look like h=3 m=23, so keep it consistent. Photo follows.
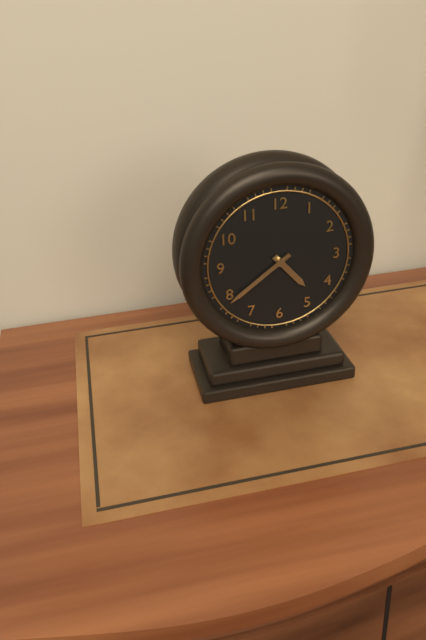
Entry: h=4 m=39
